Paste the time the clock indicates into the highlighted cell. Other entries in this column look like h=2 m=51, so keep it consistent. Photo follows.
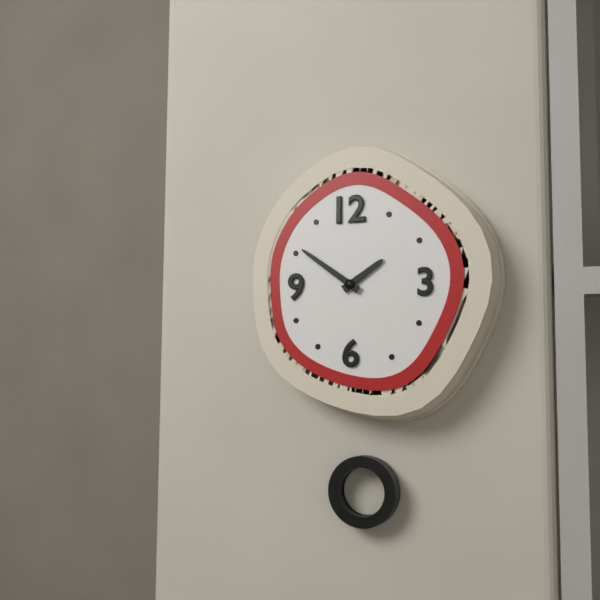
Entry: h=1 m=51
